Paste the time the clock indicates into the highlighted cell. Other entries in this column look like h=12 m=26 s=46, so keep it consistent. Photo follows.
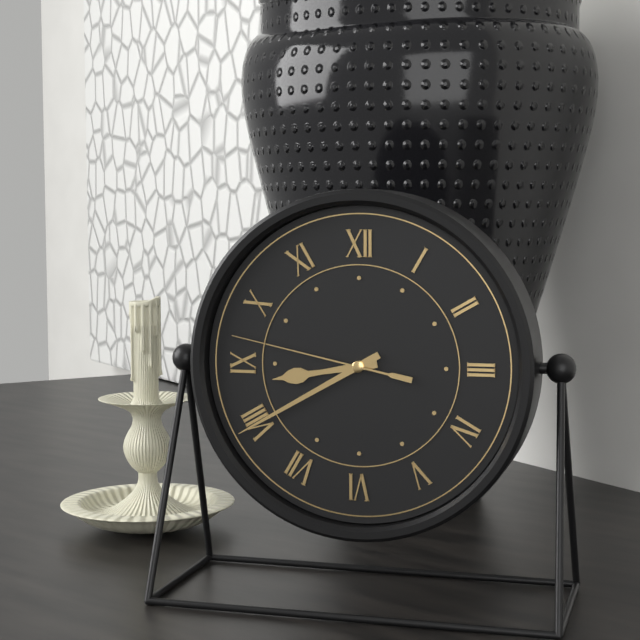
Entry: h=8 m=40 s=47
